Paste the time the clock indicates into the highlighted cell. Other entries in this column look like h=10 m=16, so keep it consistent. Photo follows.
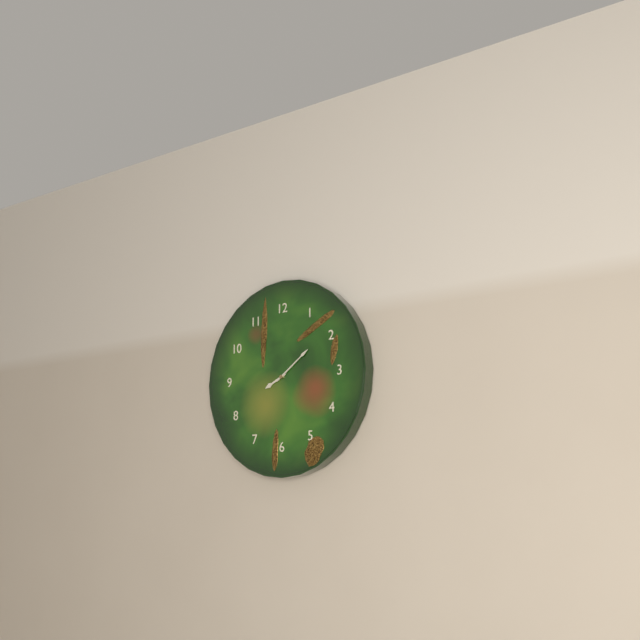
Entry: h=8 m=9
